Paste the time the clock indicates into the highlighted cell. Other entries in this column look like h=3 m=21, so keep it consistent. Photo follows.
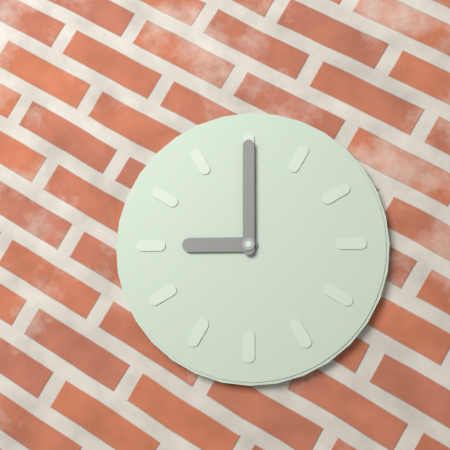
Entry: h=9 m=0
